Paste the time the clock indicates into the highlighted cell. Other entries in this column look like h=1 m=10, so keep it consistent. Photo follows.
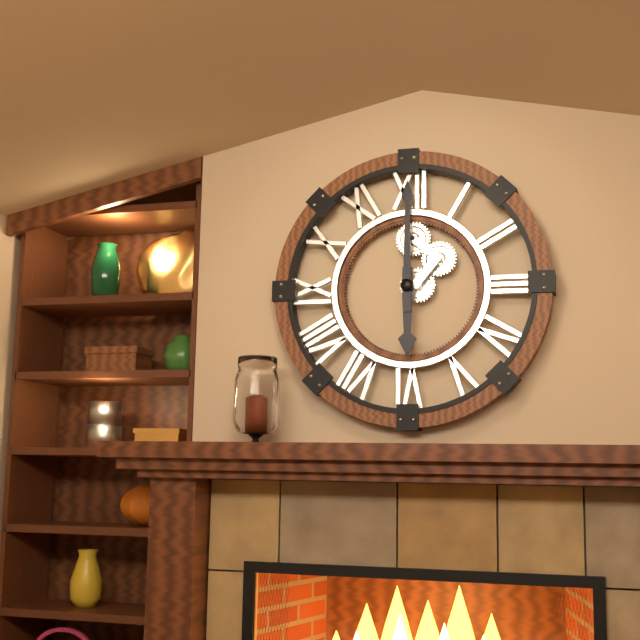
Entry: h=6 m=0
